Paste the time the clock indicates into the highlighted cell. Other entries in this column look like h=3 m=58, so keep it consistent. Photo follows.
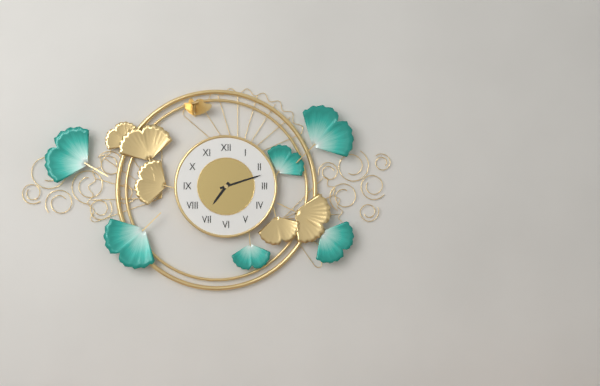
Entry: h=7 m=12
